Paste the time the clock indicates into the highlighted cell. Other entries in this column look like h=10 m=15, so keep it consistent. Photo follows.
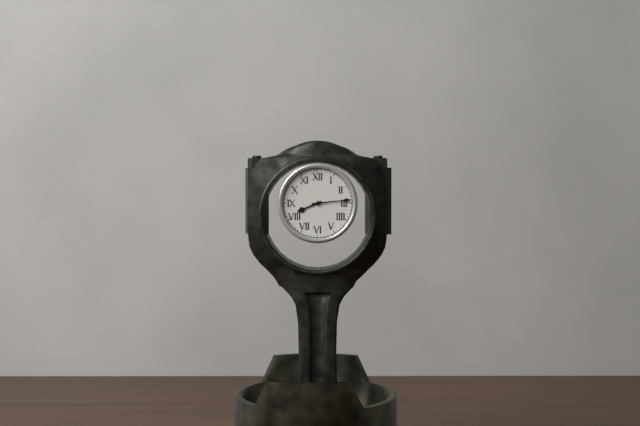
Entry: h=8 m=14
